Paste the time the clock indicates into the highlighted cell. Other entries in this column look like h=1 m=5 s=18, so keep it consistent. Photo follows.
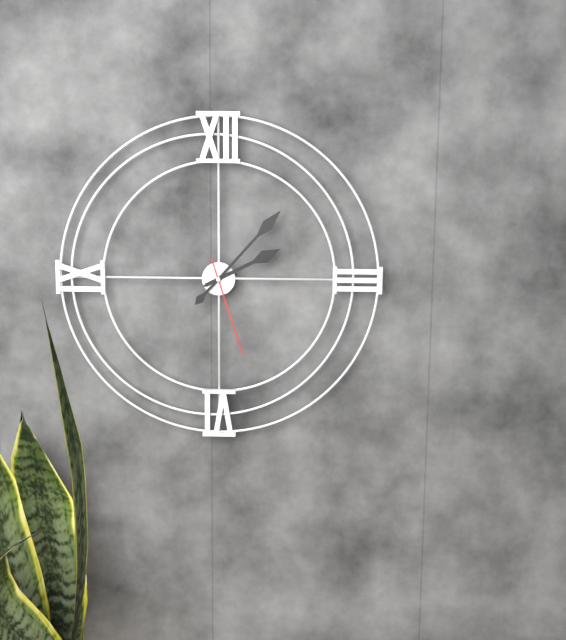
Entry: h=2 m=7 s=27
